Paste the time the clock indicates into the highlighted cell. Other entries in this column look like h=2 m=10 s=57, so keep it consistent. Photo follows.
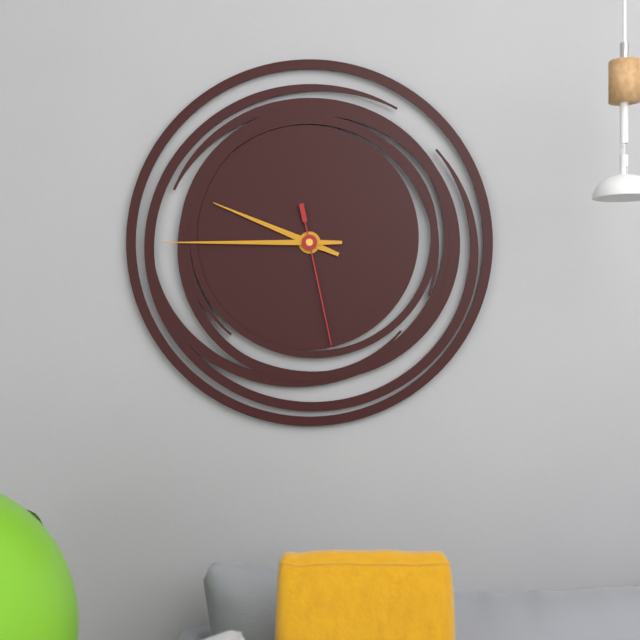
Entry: h=9 m=45 s=28
